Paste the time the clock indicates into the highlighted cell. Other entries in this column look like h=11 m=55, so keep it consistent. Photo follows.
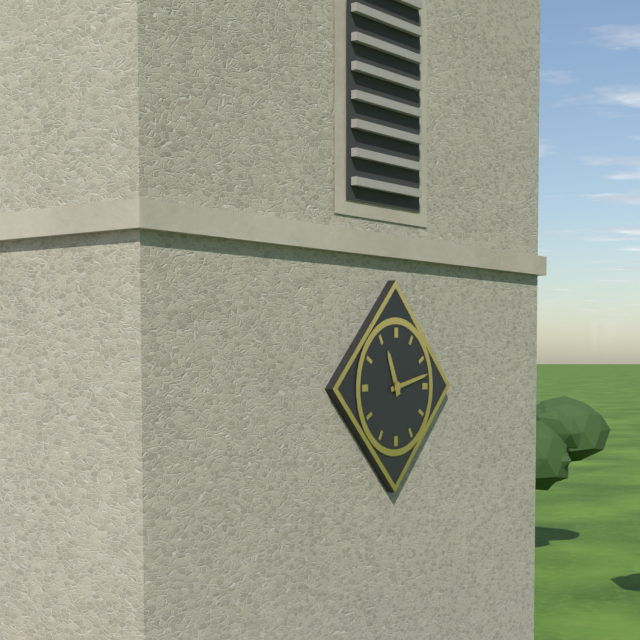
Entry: h=11 m=13
